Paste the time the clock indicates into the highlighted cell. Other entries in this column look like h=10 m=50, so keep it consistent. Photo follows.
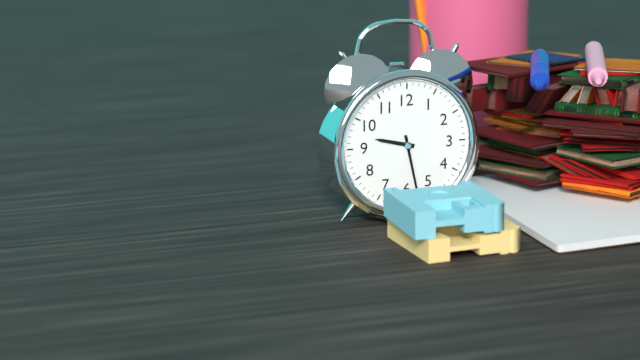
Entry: h=9 m=28
